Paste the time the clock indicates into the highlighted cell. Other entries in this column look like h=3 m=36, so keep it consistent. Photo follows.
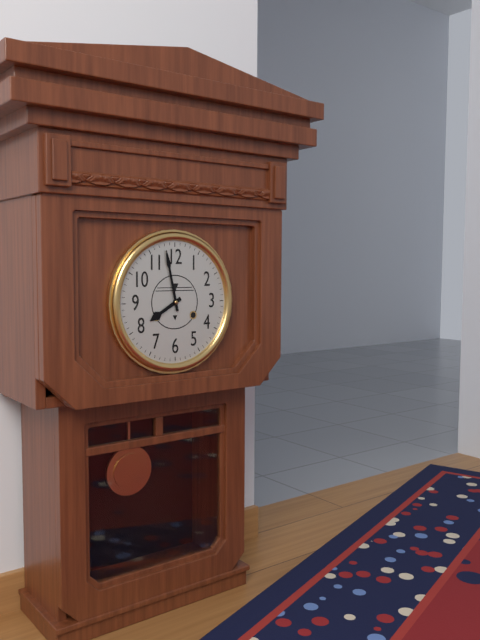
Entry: h=7 m=58
